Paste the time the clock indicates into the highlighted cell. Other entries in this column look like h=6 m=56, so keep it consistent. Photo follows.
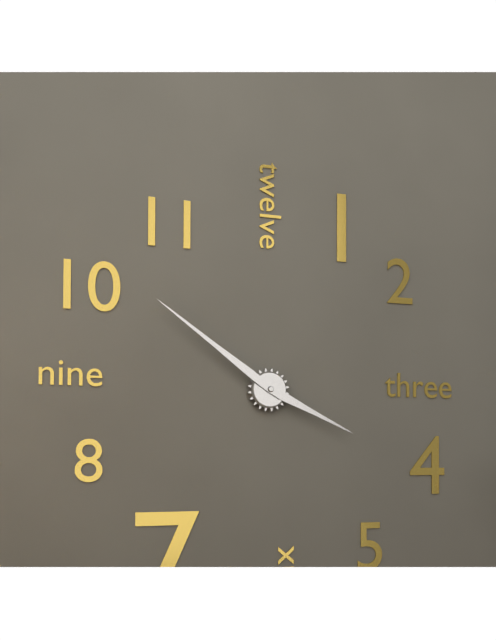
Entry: h=3 m=51
